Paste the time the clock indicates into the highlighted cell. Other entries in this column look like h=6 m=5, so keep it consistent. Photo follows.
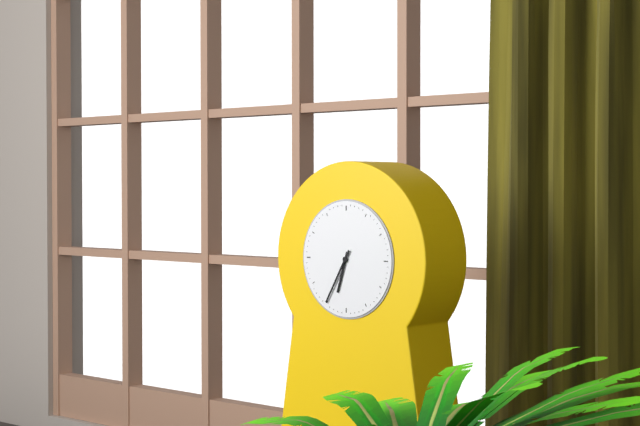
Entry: h=6 m=35
